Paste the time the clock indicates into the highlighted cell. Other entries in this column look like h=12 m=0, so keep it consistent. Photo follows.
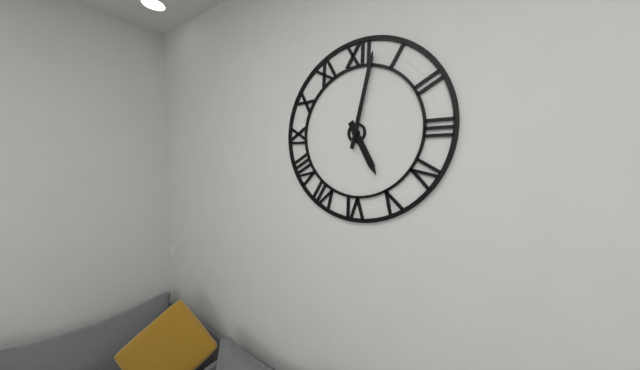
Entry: h=5 m=2
